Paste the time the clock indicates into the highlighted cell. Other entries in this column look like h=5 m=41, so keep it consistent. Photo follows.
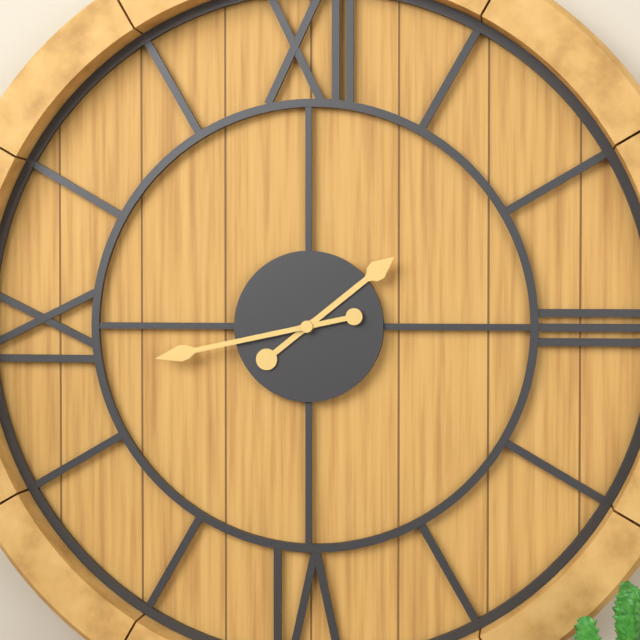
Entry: h=1 m=43
